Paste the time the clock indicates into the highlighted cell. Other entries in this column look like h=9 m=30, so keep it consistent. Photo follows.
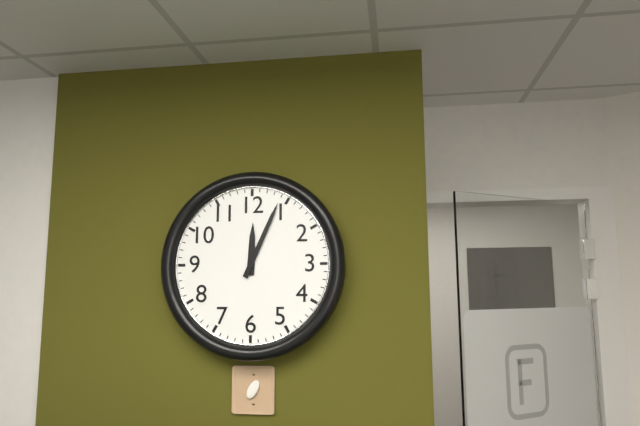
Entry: h=12 m=4
